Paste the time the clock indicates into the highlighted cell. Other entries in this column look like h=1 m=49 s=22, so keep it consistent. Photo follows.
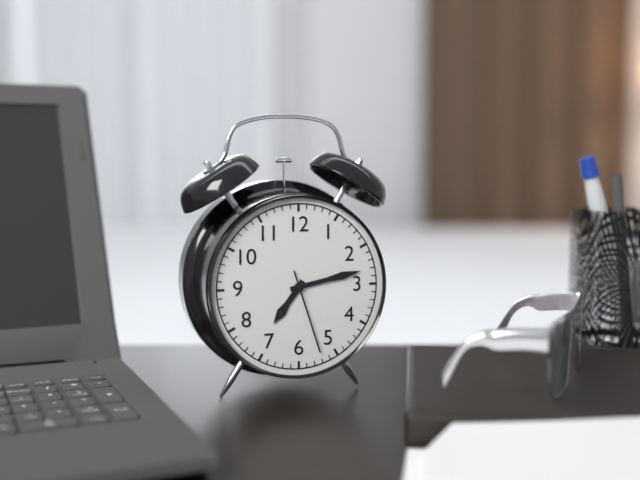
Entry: h=7 m=13 s=27
